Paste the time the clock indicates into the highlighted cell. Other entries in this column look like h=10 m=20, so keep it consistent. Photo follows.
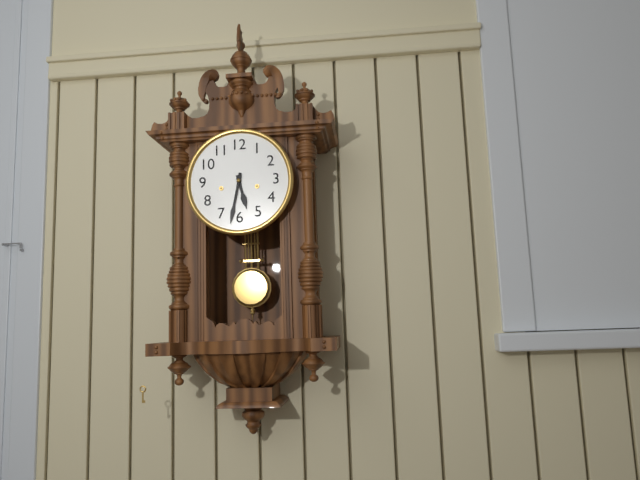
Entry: h=5 m=32
